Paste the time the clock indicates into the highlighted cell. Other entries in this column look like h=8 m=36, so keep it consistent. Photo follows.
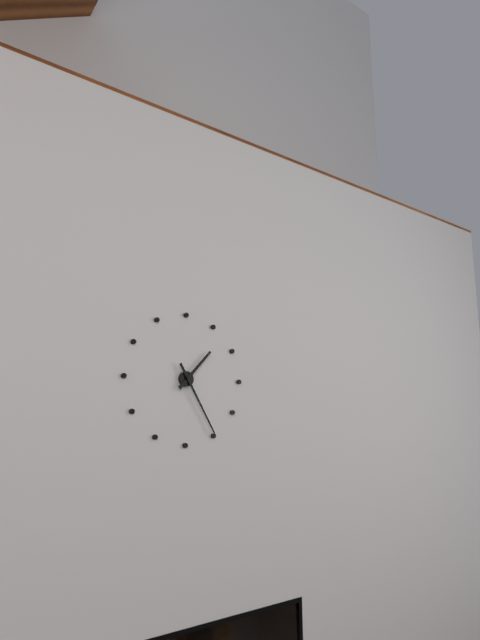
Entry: h=1 m=25
